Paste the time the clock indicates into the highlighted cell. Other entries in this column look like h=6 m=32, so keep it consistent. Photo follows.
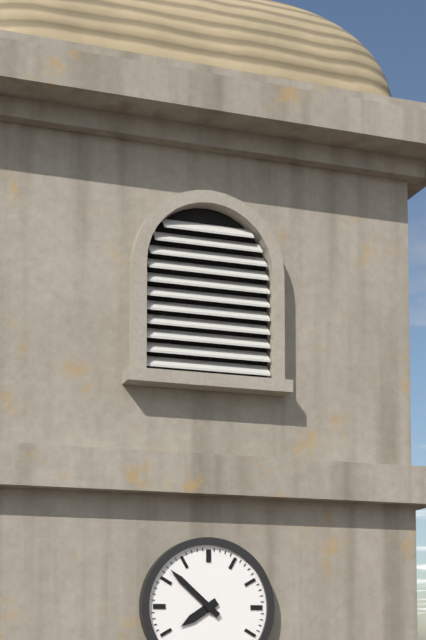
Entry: h=7 m=52
